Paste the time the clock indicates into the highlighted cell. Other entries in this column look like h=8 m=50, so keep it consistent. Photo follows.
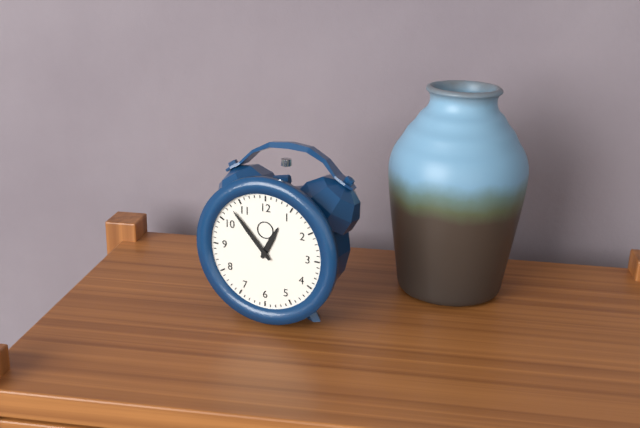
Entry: h=12 m=53
